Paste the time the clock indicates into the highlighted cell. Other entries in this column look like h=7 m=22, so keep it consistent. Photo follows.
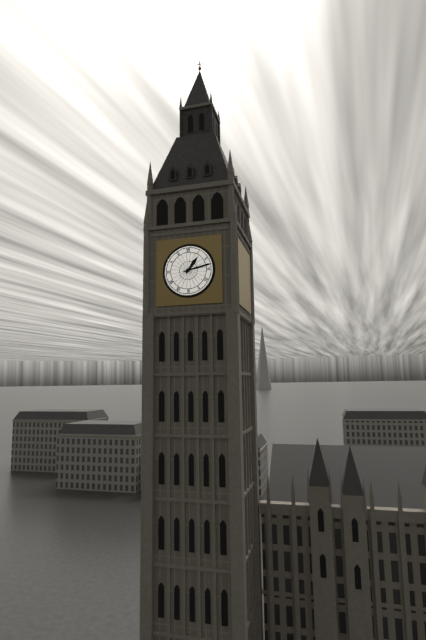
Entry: h=1 m=13
